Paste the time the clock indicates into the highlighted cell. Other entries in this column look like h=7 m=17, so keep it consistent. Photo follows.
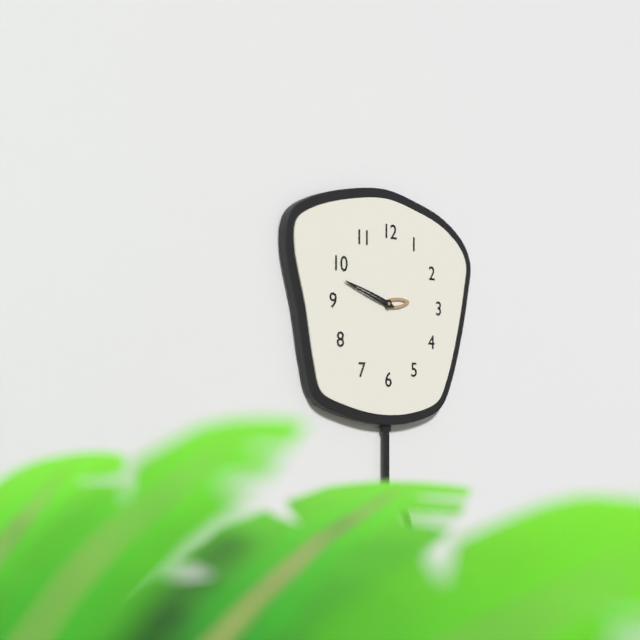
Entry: h=2 m=48
